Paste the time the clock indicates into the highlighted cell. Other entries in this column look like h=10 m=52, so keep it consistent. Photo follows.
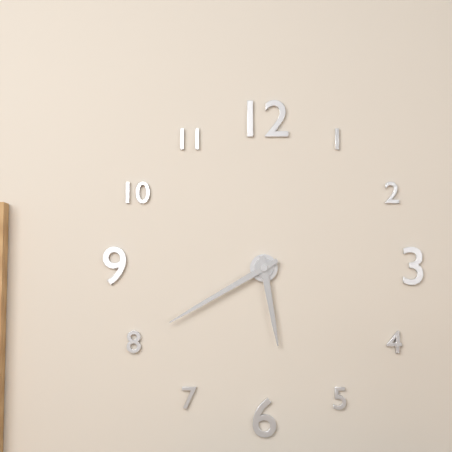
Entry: h=5 m=40
